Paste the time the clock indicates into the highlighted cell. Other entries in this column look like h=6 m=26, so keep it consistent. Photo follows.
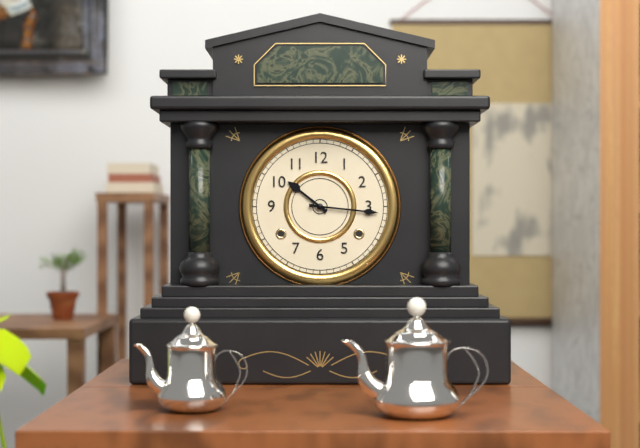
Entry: h=10 m=16
